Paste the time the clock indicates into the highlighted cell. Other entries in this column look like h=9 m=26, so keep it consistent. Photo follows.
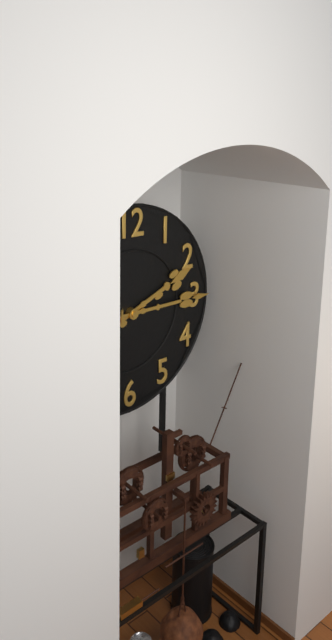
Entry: h=2 m=15
